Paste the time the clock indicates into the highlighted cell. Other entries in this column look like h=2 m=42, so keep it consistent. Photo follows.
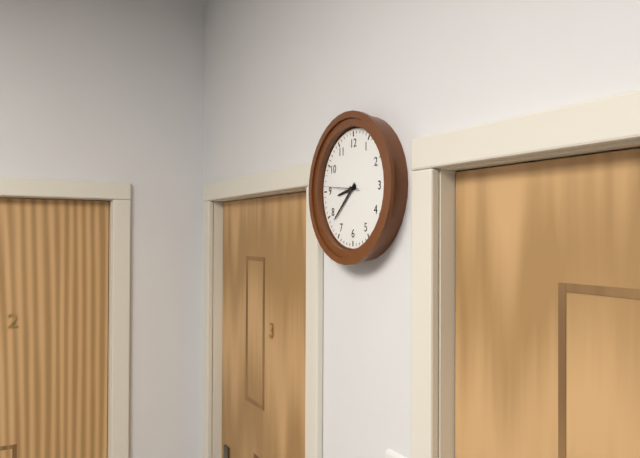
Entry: h=8 m=38
